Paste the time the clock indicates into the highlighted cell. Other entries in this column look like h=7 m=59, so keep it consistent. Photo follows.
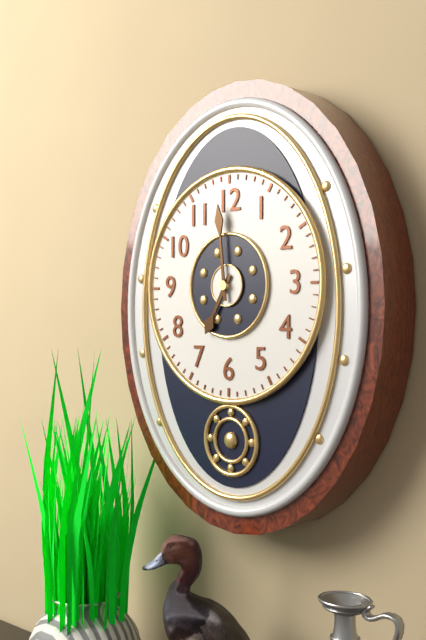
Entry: h=6 m=59
